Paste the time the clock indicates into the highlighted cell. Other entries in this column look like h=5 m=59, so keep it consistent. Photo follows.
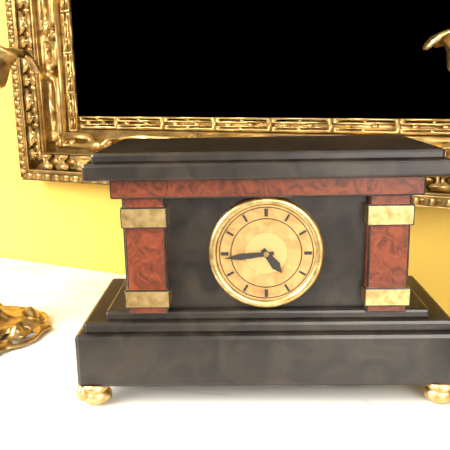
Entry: h=4 m=44
